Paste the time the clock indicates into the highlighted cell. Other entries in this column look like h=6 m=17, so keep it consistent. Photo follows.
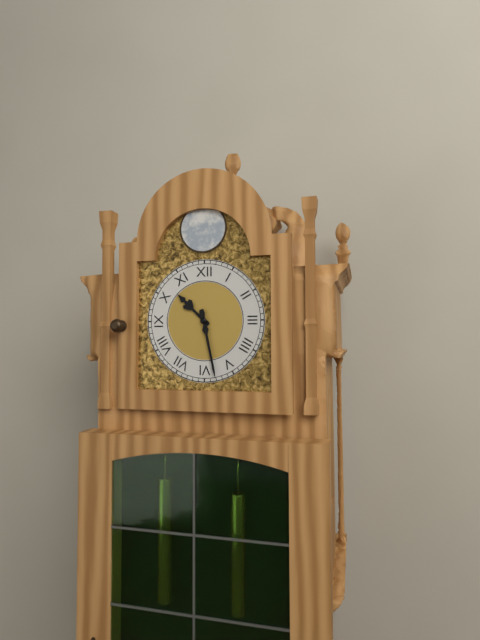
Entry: h=10 m=28
